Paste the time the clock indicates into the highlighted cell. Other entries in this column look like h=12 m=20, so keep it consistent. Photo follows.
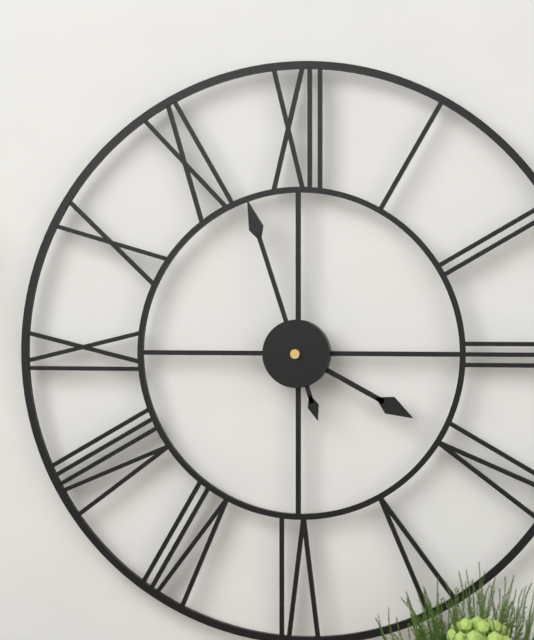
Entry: h=3 m=57
